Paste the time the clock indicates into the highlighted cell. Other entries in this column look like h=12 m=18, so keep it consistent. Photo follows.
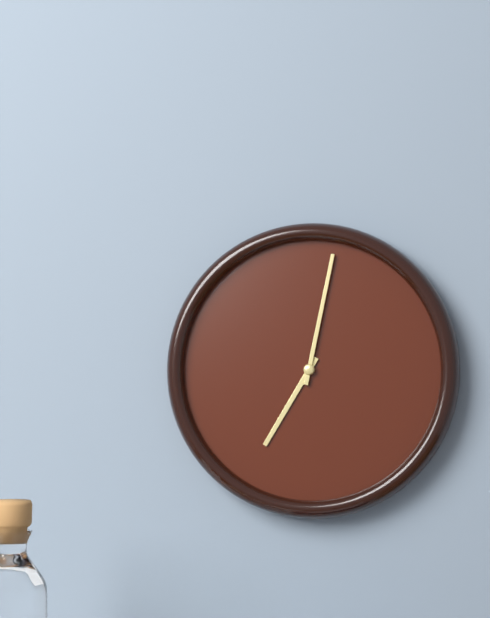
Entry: h=7 m=2
